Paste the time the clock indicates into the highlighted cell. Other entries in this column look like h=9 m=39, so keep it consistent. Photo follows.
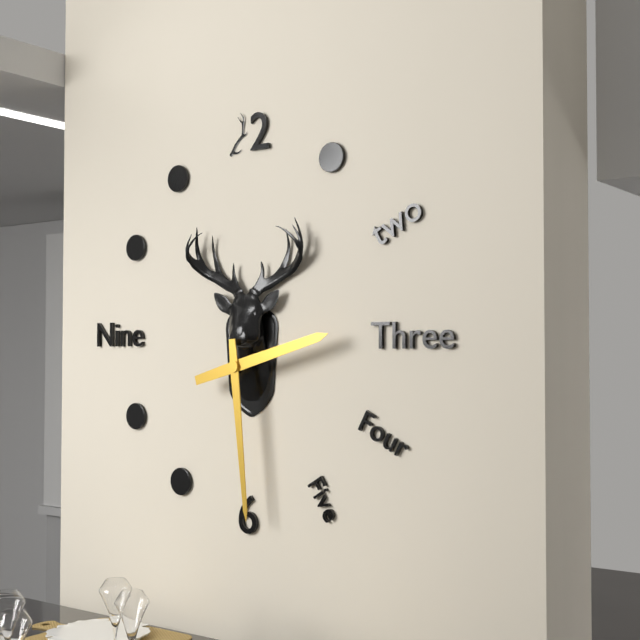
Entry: h=2 m=29
